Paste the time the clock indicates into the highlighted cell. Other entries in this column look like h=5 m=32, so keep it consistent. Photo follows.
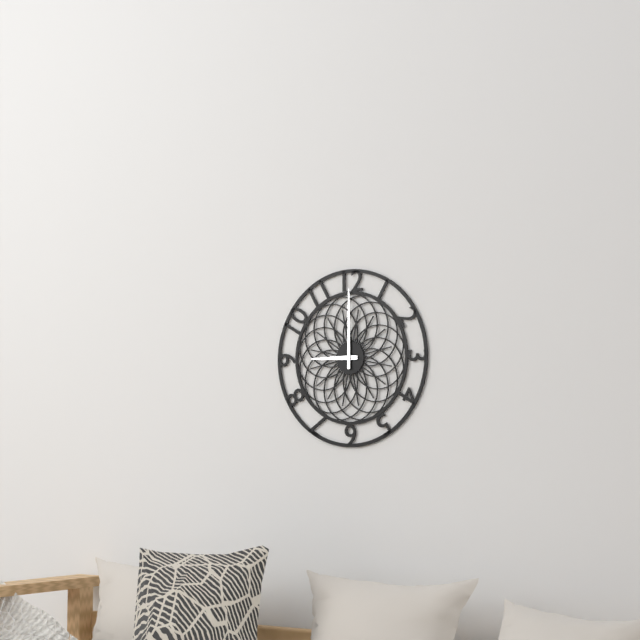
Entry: h=9 m=0
